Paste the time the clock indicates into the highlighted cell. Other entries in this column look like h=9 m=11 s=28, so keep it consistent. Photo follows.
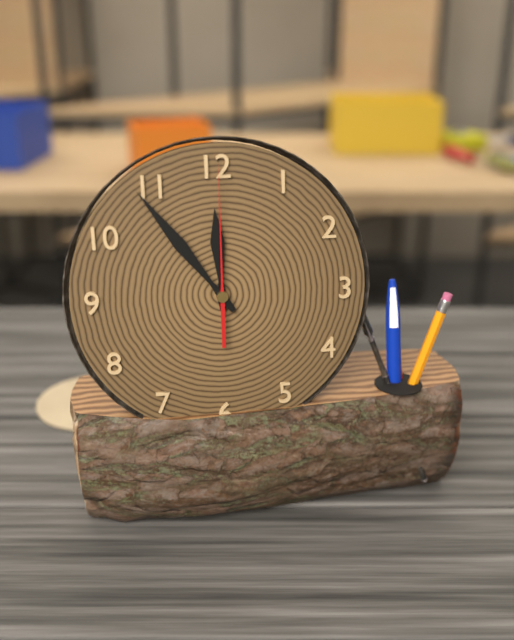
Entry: h=11 m=54 s=0
